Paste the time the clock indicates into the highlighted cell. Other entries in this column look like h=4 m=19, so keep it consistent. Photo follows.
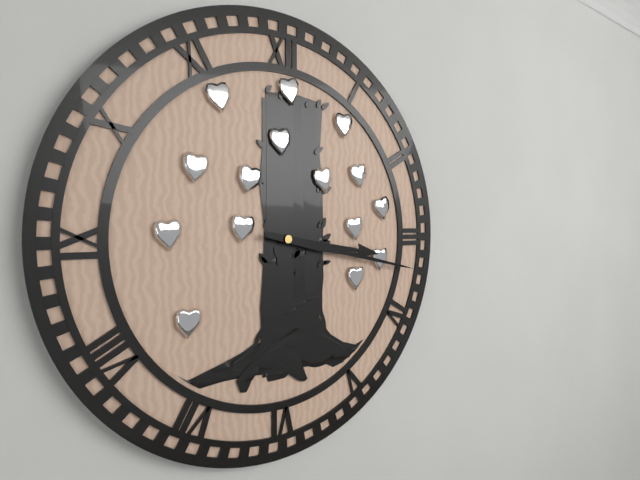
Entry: h=3 m=17
